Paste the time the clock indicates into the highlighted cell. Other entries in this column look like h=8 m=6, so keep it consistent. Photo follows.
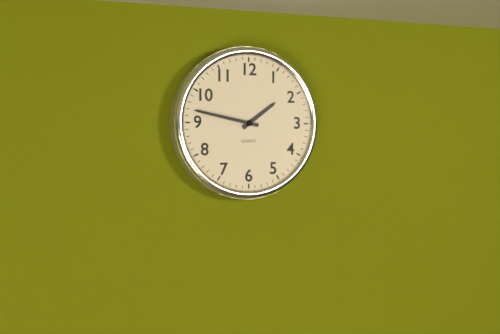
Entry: h=1 m=47
